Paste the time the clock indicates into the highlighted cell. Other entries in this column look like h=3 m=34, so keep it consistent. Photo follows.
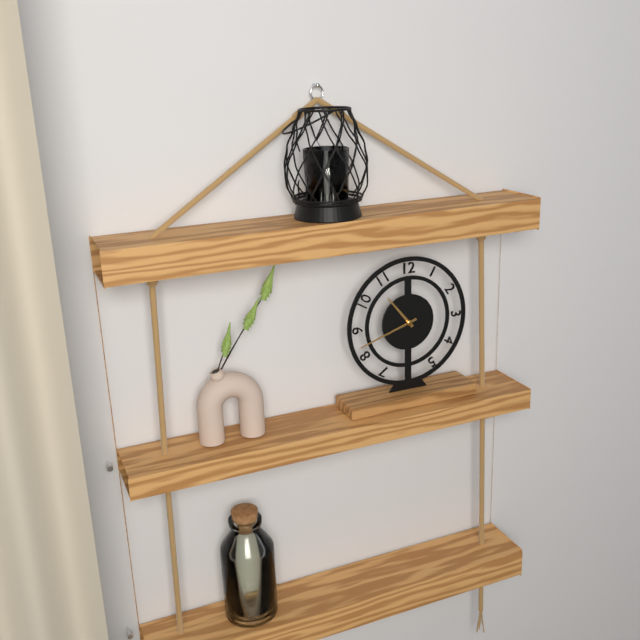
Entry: h=10 m=42
